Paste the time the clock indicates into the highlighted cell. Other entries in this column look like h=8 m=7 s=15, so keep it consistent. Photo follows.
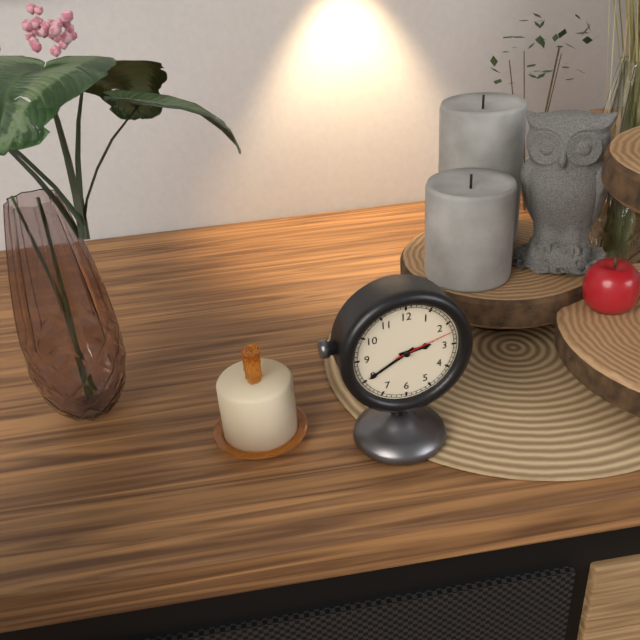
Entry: h=2 m=40 s=12
